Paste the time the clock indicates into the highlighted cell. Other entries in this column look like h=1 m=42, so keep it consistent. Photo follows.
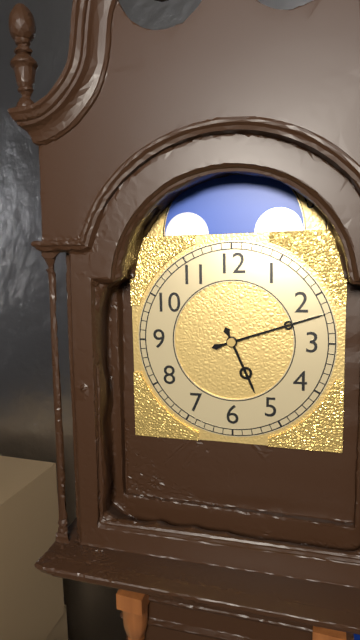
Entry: h=5 m=12
